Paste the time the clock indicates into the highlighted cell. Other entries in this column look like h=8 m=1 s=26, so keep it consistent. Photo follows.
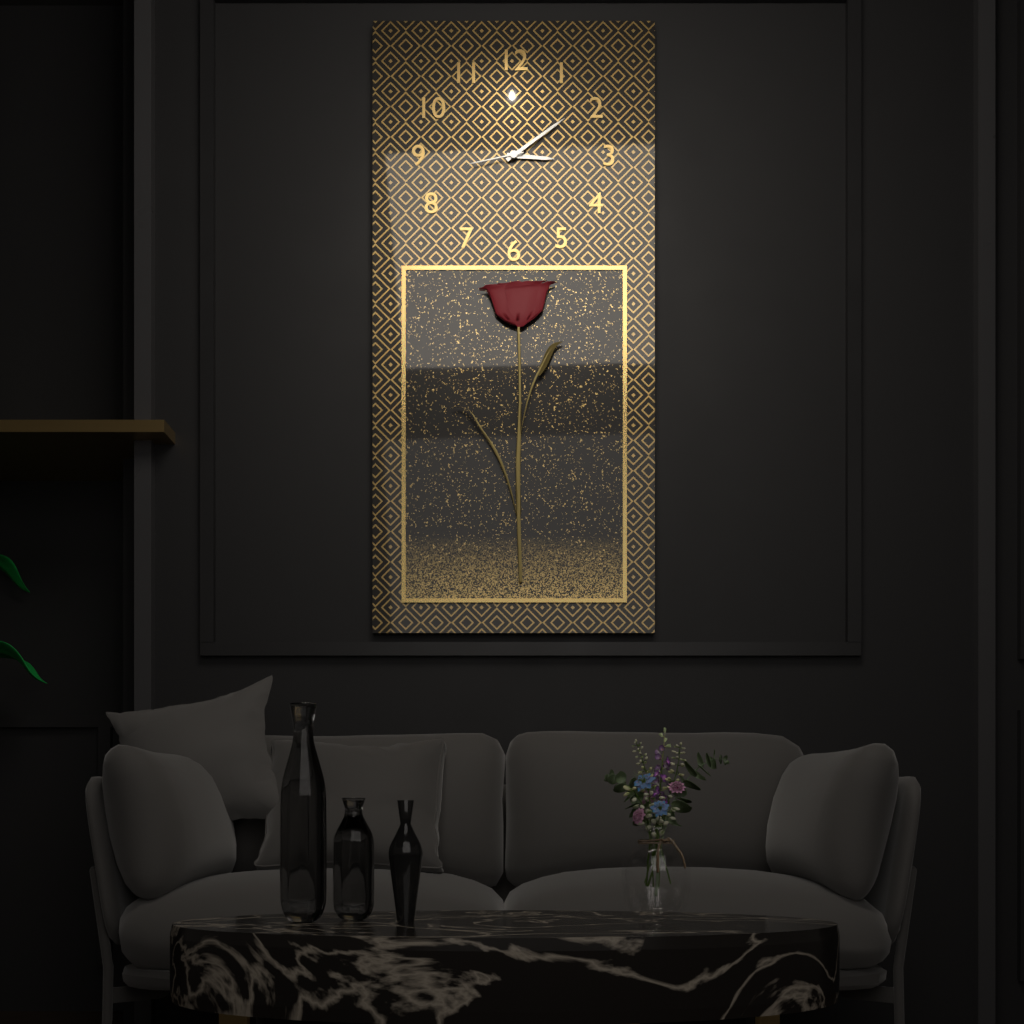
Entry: h=3 m=9 s=43
